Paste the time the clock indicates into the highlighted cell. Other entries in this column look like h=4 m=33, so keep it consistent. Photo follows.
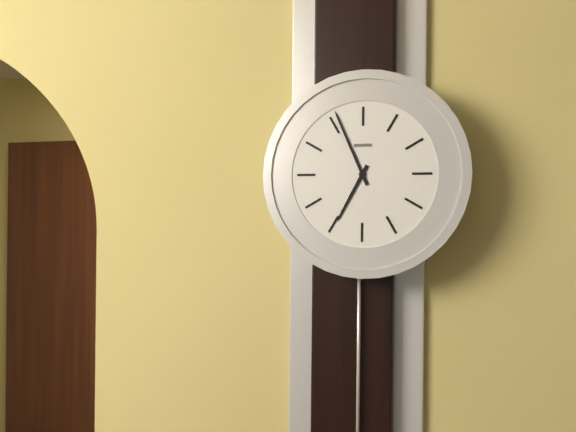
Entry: h=6 m=56
